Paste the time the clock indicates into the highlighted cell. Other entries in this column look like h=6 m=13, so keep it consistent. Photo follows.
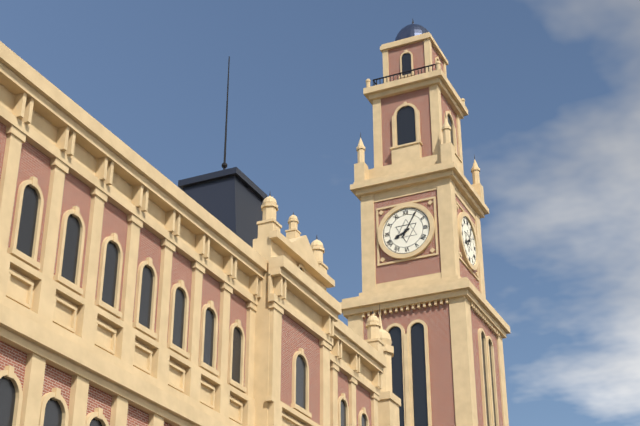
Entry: h=8 m=5
